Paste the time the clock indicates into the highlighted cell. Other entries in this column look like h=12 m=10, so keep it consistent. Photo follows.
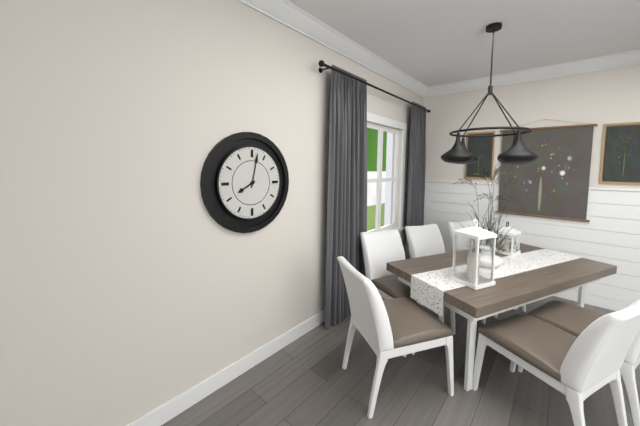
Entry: h=8 m=2
